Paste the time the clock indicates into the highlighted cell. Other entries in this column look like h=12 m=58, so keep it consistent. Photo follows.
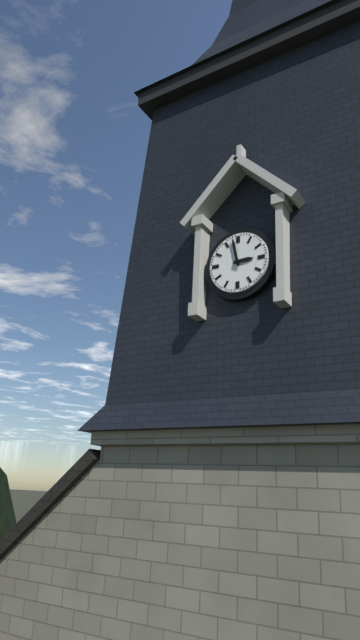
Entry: h=2 m=58
